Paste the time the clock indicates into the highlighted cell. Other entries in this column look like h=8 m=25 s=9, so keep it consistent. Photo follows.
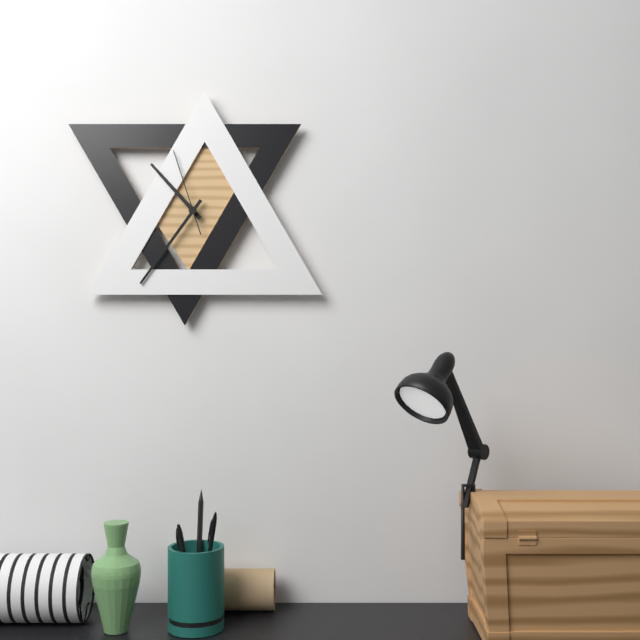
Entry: h=10 m=36 s=57
